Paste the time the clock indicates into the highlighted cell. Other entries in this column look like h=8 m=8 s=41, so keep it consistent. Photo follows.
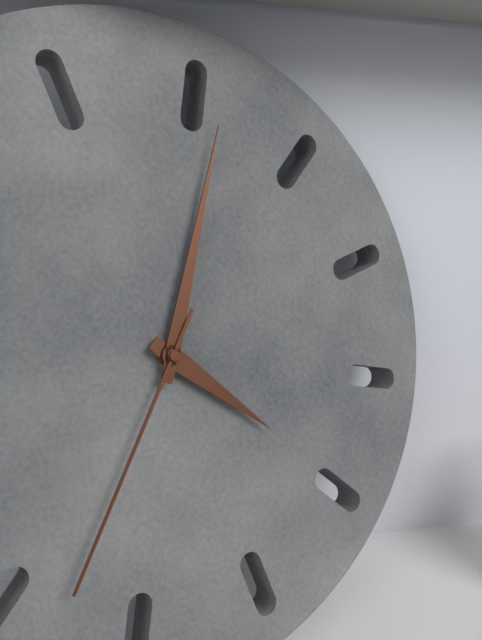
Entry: h=2 m=56 s=28
